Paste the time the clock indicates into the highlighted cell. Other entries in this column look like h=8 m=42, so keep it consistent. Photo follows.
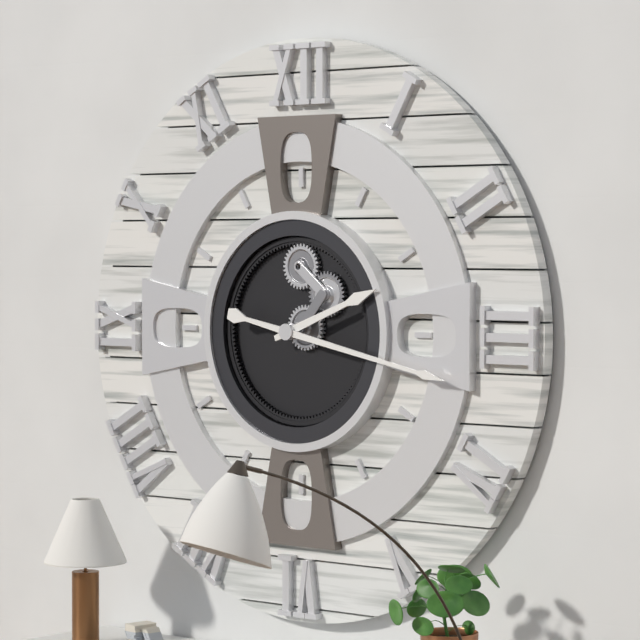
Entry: h=2 m=17
